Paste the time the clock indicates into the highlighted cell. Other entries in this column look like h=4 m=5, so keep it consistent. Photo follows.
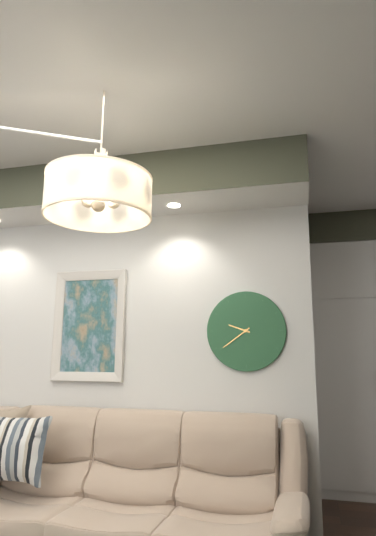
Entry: h=9 m=39
